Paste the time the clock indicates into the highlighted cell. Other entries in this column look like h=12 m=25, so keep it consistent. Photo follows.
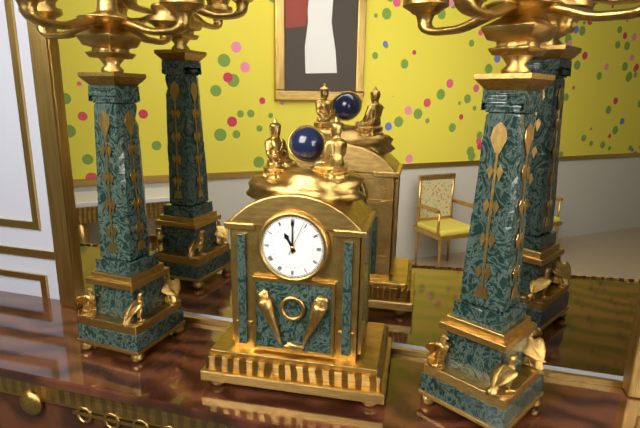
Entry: h=11 m=0
